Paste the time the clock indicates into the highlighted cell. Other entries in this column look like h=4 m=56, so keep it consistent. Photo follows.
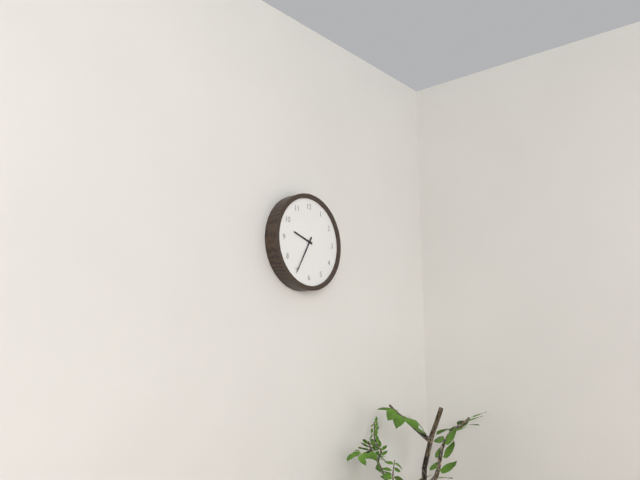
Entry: h=9 m=35
